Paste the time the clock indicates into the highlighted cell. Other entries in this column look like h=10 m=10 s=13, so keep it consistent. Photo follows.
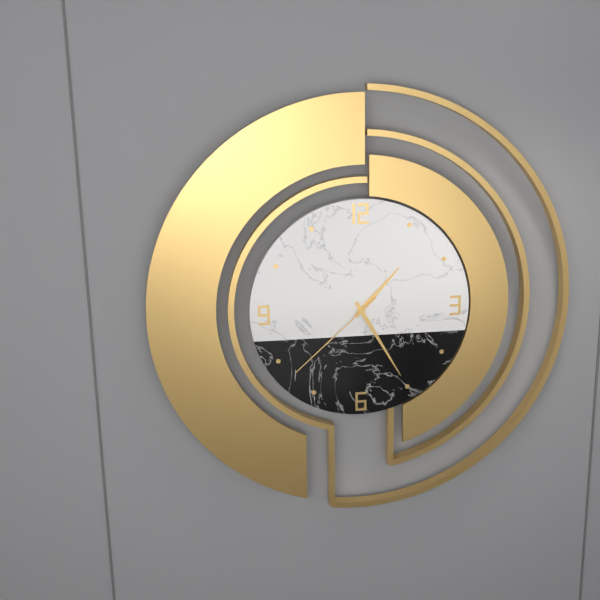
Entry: h=1 m=25 s=38
